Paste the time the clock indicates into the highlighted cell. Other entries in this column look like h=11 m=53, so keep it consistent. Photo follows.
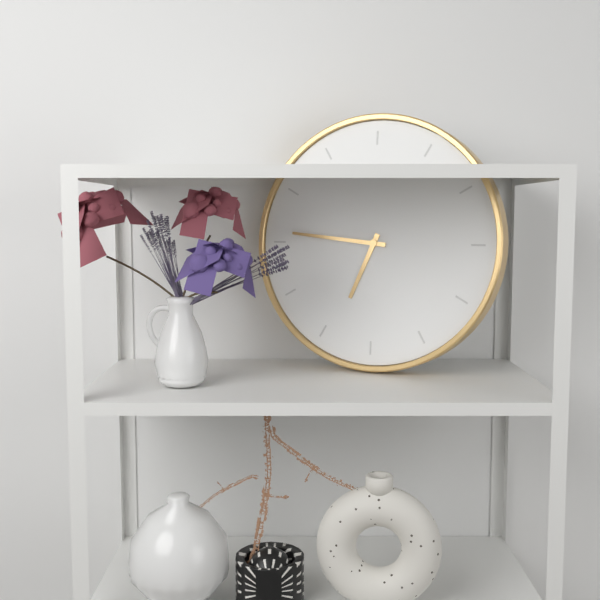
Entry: h=6 m=46
